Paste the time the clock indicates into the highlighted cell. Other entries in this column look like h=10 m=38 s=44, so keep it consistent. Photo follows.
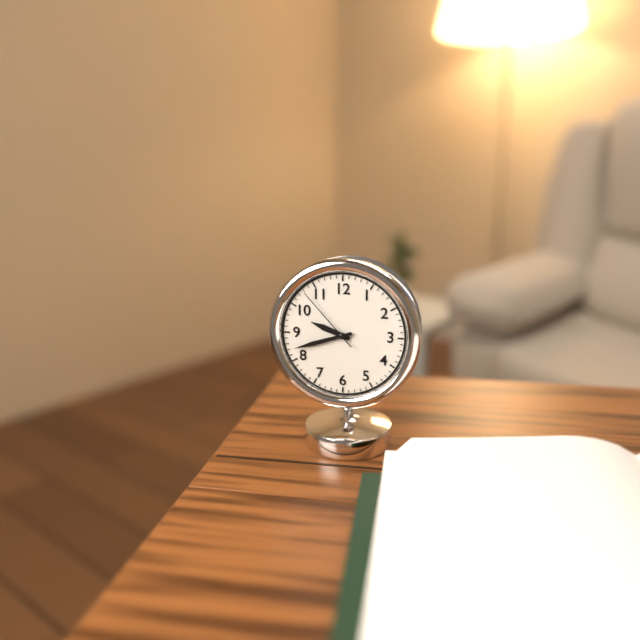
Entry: h=9 m=42 s=53
